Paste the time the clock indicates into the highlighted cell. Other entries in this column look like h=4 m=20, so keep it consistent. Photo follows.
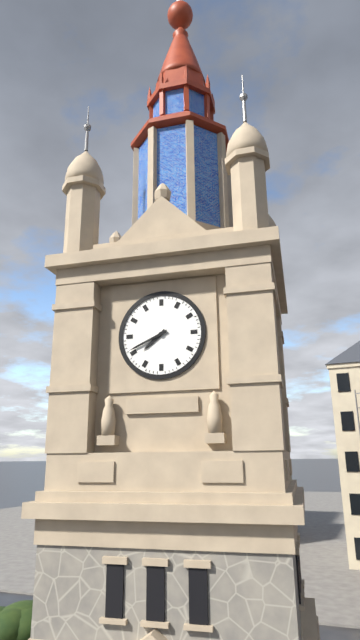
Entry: h=7 m=41
